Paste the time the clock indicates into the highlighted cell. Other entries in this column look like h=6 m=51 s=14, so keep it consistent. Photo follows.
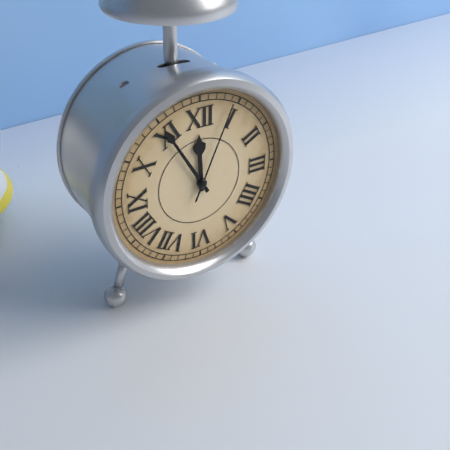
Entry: h=11 m=55 s=4
